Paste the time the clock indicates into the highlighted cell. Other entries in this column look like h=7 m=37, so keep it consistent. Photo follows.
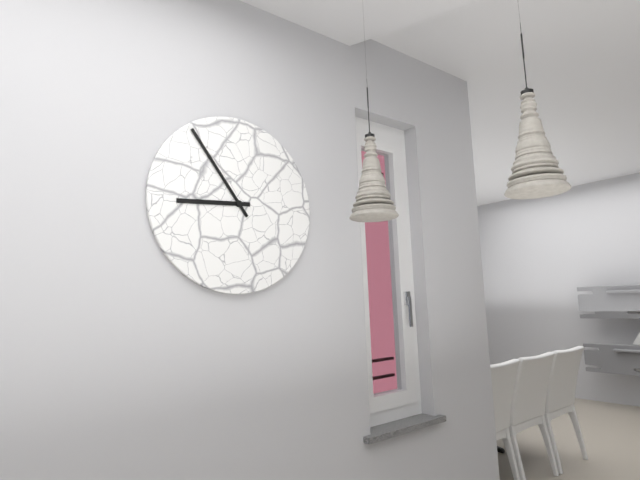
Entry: h=8 m=54
